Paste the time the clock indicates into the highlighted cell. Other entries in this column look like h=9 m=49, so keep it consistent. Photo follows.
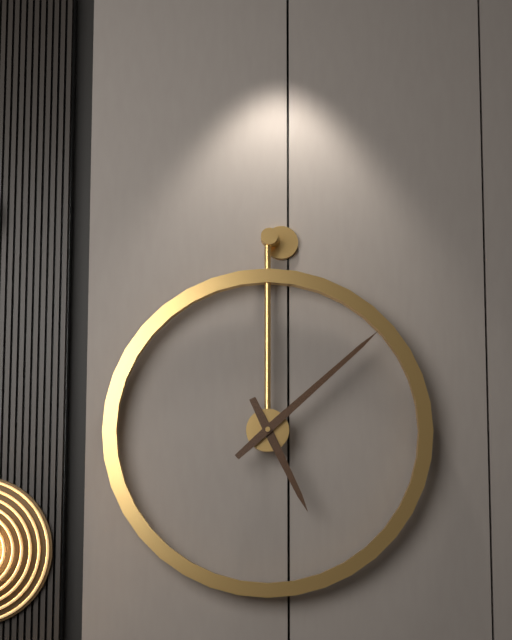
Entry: h=5 m=8
